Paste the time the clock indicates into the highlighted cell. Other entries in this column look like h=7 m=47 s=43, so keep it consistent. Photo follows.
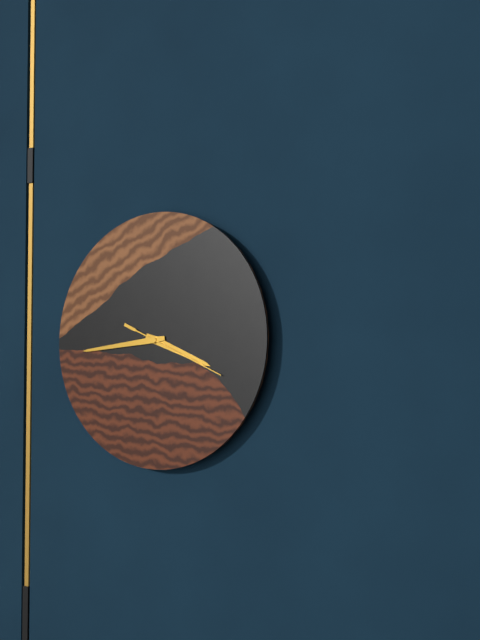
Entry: h=3 m=44 s=19
